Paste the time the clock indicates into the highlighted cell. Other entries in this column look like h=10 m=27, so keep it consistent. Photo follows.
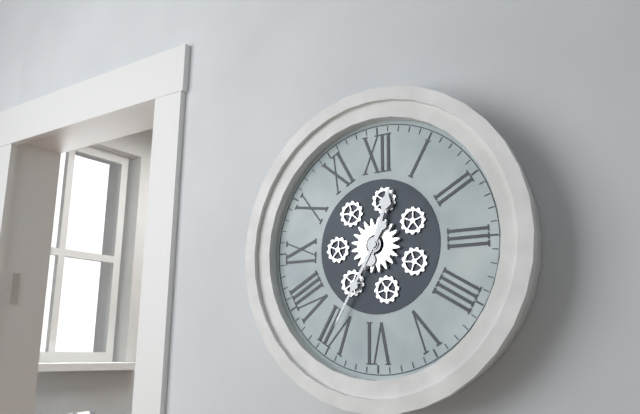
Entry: h=12 m=35
